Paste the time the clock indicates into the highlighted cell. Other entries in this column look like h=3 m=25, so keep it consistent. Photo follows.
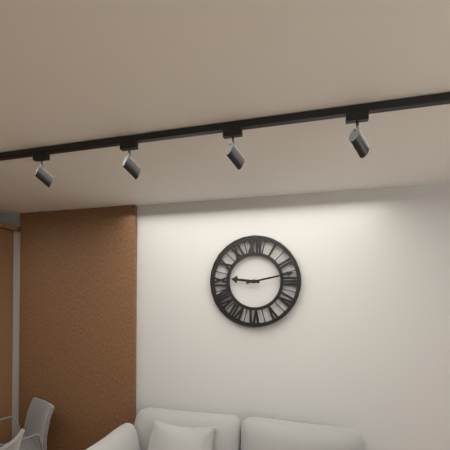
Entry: h=9 m=13
